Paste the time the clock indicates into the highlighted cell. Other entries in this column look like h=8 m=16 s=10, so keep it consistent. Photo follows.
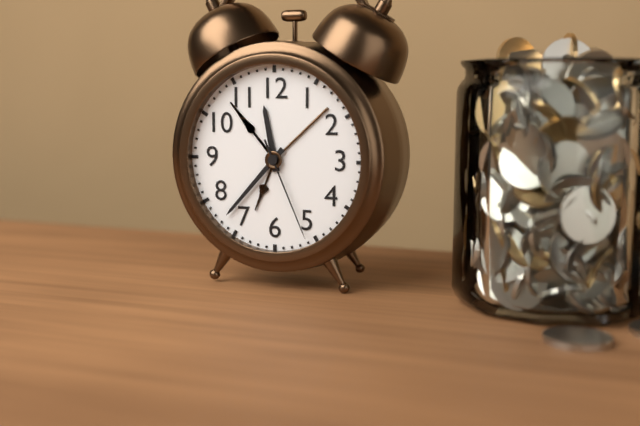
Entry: h=11 m=37 s=26
